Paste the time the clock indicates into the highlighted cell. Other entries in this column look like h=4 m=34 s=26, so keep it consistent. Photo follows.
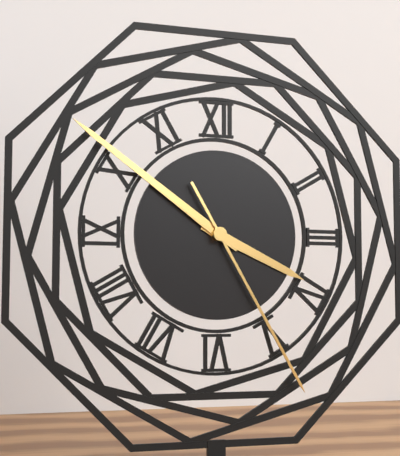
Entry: h=3 m=51 s=25
